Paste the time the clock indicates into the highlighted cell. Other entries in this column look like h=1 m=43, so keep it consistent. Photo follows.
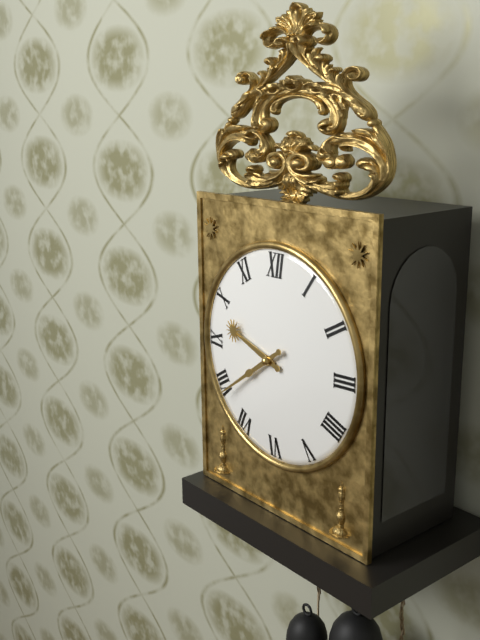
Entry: h=9 m=39
